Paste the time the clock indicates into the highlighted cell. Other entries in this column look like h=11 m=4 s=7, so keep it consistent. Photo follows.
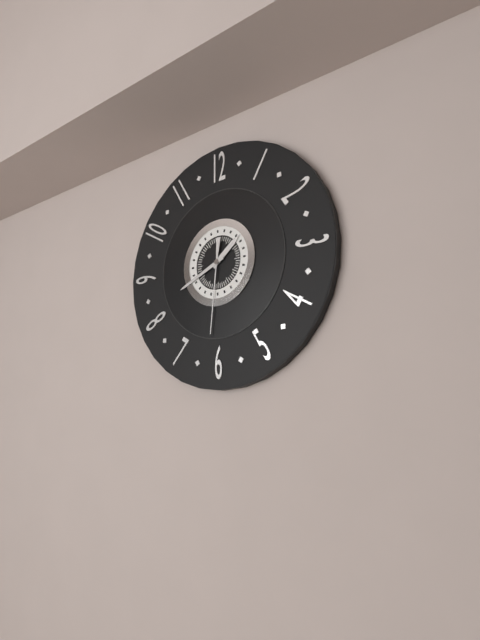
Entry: h=1 m=41 s=31
